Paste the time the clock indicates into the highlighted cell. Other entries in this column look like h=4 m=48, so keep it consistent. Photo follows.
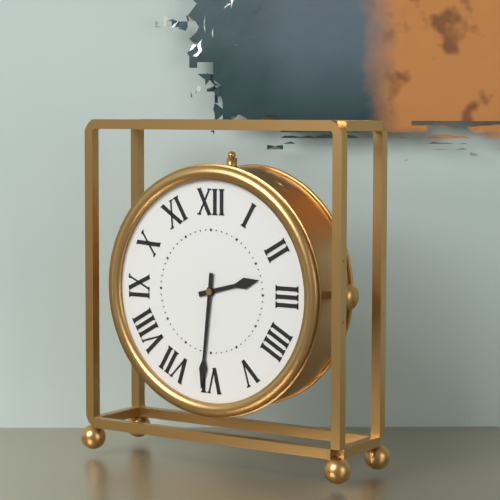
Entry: h=2 m=31
